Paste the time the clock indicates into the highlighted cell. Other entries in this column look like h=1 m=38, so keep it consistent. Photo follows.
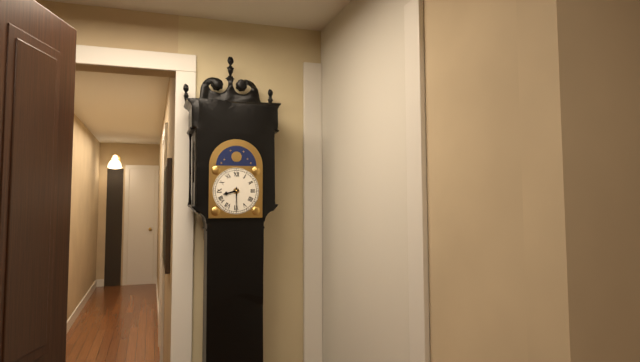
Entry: h=8 m=30
